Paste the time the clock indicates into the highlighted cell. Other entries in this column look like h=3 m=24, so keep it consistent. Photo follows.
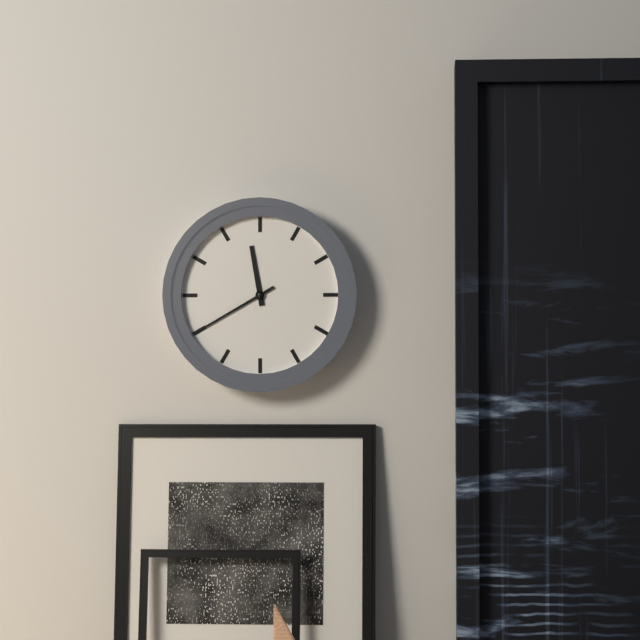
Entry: h=11 m=40
